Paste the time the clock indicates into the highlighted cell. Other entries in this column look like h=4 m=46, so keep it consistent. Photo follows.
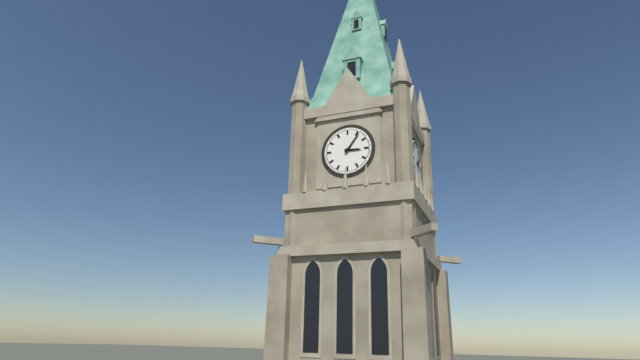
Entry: h=3 m=6
